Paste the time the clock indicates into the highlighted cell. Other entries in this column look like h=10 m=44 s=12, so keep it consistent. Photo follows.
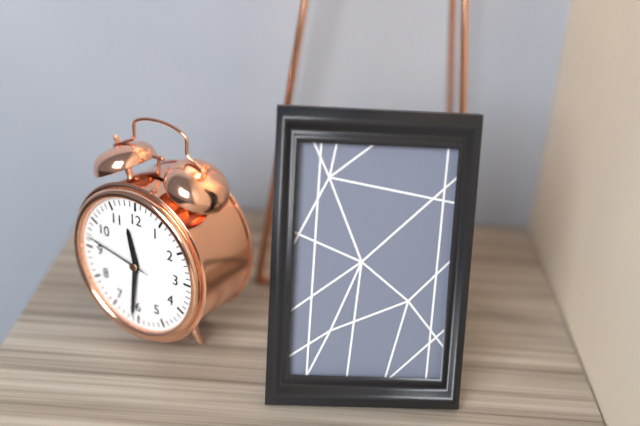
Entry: h=11 m=31 s=47
